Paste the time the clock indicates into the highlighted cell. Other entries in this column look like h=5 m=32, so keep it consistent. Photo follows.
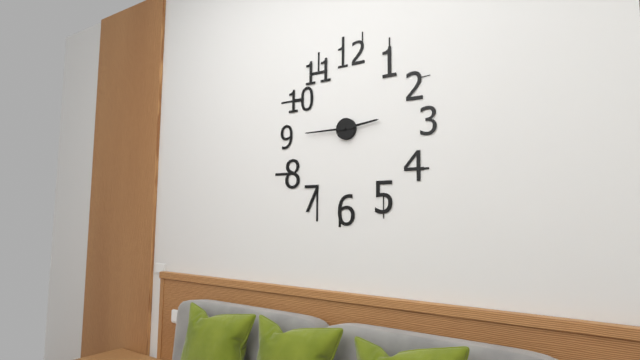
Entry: h=2 m=45
